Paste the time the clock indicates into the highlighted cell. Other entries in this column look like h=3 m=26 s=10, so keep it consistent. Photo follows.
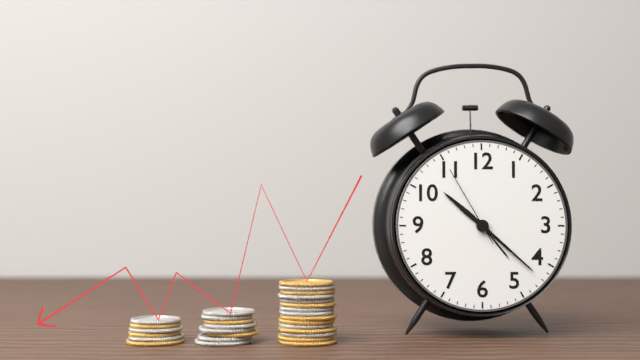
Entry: h=10 m=22 s=55
